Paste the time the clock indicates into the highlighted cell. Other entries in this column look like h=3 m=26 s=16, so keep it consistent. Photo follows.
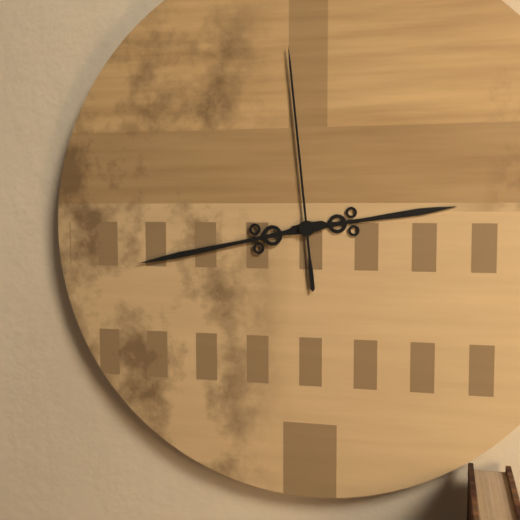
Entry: h=2 m=43 s=59
